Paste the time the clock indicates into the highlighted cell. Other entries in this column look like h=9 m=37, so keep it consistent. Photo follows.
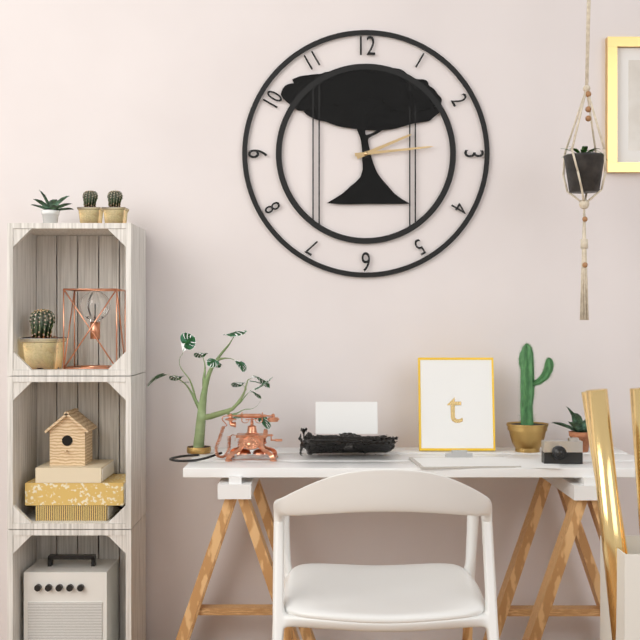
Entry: h=2 m=14
